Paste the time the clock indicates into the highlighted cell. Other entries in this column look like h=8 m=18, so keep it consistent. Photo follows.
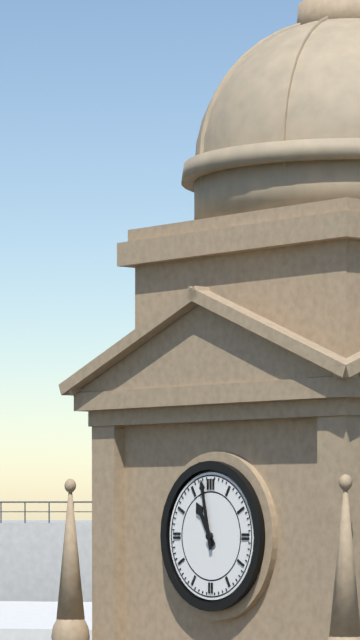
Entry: h=10 m=58
